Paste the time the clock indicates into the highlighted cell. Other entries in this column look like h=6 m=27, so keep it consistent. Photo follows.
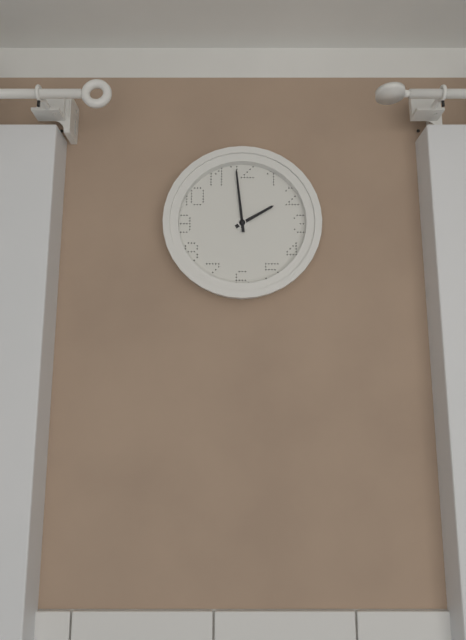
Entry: h=1 m=59
